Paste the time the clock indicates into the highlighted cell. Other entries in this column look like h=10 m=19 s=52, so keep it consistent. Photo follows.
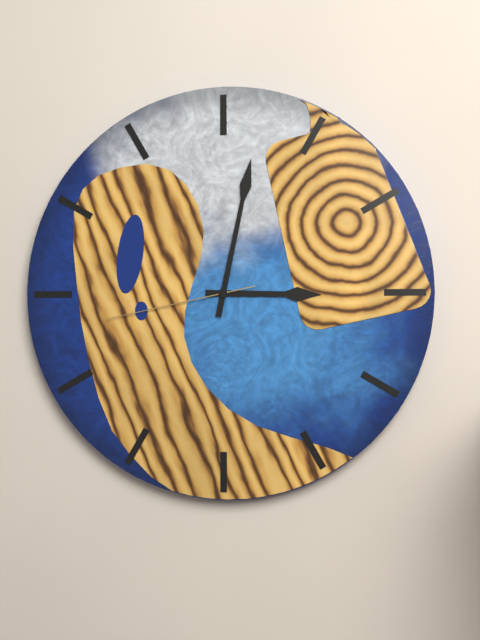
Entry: h=3 m=2 s=43
